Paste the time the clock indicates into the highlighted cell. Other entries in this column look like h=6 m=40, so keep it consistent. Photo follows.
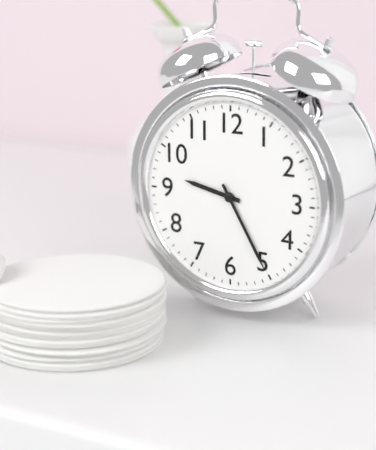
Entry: h=9 m=25
